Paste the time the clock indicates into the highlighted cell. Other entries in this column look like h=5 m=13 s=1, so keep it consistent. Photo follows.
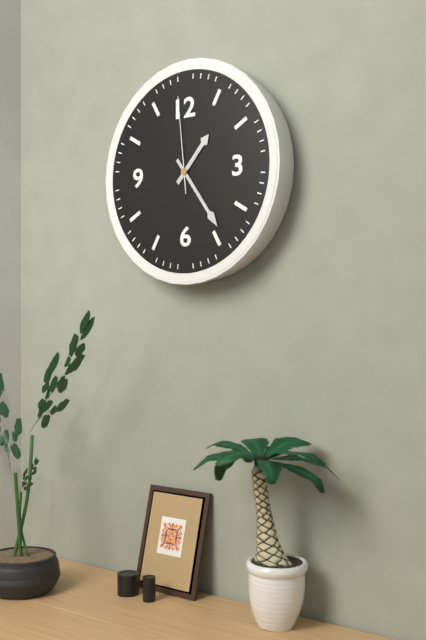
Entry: h=1 m=24 s=59
